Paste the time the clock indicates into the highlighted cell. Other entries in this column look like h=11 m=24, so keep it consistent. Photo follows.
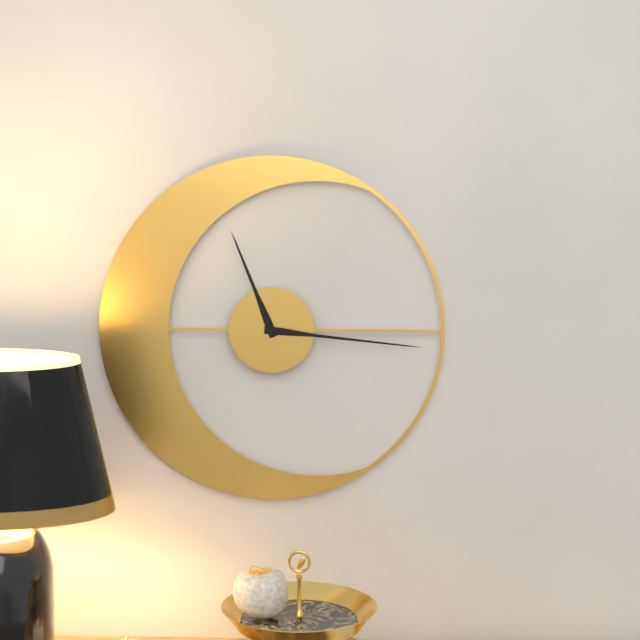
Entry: h=11 m=16
